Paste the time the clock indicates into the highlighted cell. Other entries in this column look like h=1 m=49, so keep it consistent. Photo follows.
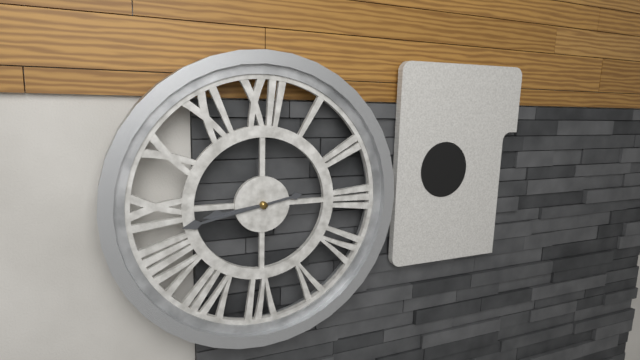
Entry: h=8 m=43
